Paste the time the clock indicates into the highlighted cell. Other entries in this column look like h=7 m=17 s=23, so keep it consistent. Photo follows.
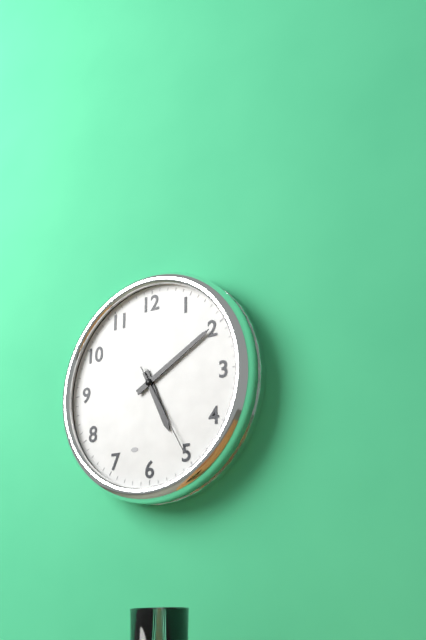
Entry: h=5 m=10 s=25
